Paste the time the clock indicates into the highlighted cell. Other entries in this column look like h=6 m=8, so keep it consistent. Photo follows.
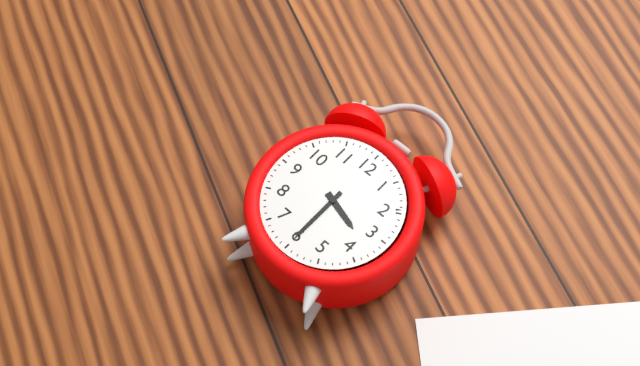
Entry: h=3 m=30
